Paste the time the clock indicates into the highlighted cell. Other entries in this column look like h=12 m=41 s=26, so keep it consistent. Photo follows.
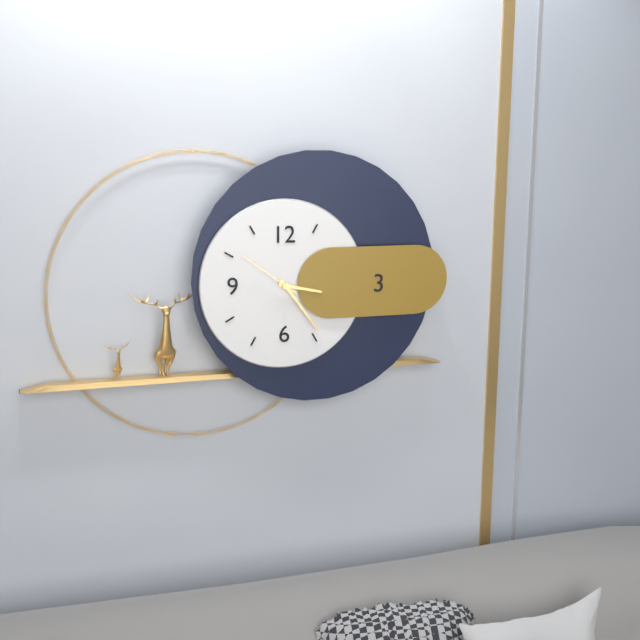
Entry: h=3 m=24 s=51
